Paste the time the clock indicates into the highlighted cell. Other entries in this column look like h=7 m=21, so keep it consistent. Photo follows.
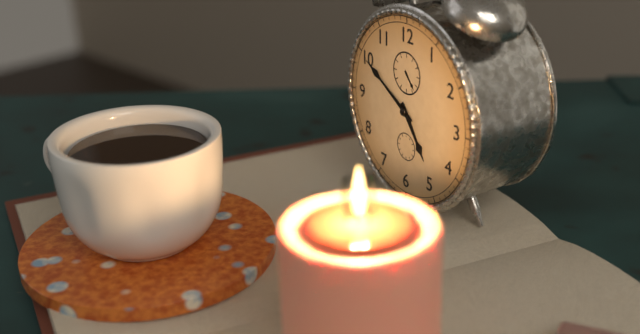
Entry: h=4 m=50
